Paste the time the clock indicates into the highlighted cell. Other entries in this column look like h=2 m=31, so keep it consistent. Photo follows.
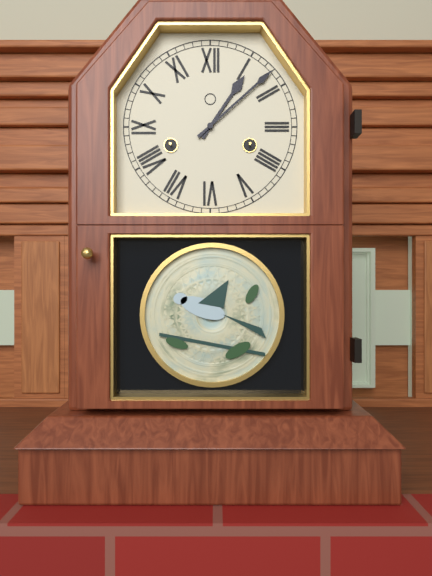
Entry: h=1 m=8
